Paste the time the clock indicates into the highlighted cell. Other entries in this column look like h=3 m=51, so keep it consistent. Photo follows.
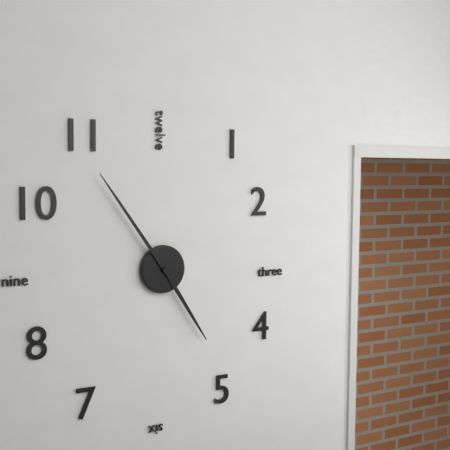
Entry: h=4 m=54
